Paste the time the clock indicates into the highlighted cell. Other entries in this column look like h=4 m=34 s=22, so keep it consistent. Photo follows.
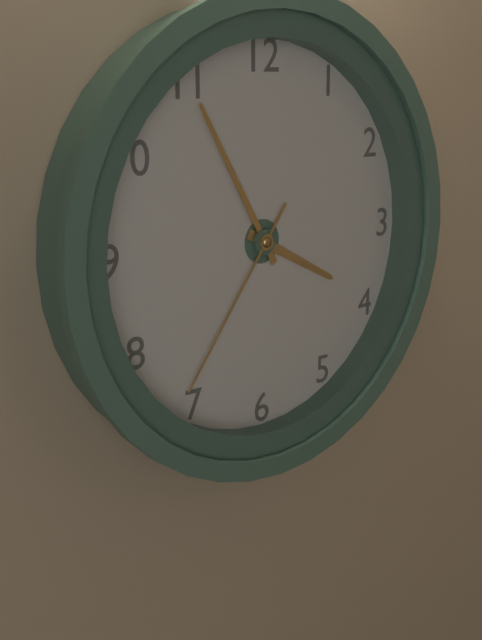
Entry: h=3 m=55 s=36
